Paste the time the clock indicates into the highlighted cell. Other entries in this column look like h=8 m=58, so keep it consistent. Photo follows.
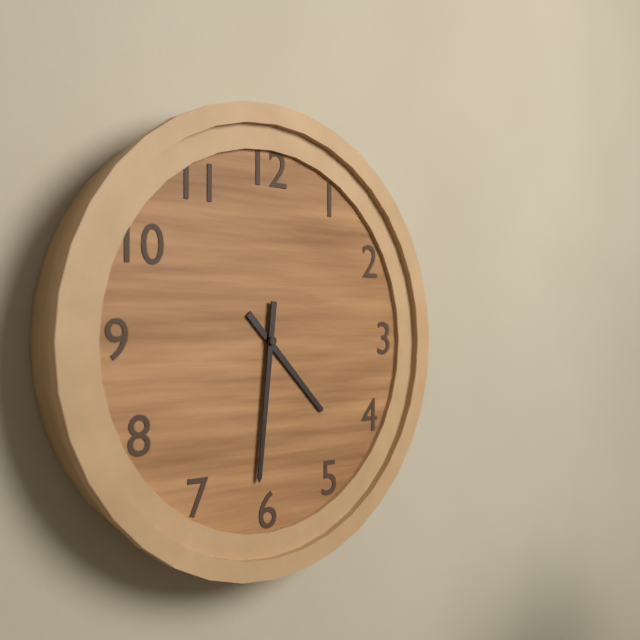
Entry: h=4 m=31
